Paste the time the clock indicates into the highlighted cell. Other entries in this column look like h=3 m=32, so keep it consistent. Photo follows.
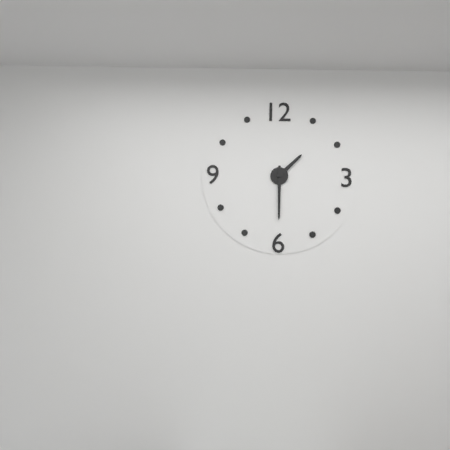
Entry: h=1 m=30
